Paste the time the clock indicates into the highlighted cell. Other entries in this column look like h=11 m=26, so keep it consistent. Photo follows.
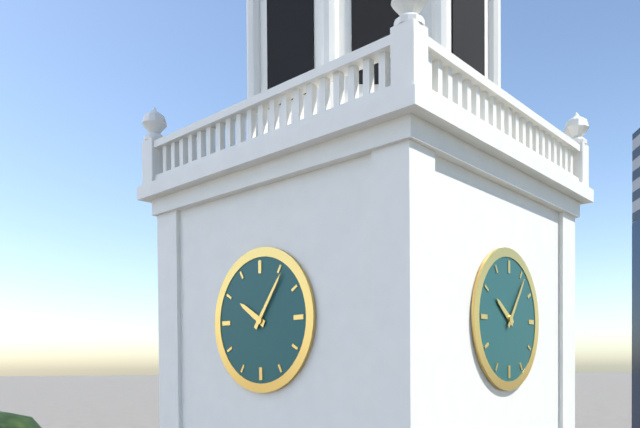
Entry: h=10 m=6
